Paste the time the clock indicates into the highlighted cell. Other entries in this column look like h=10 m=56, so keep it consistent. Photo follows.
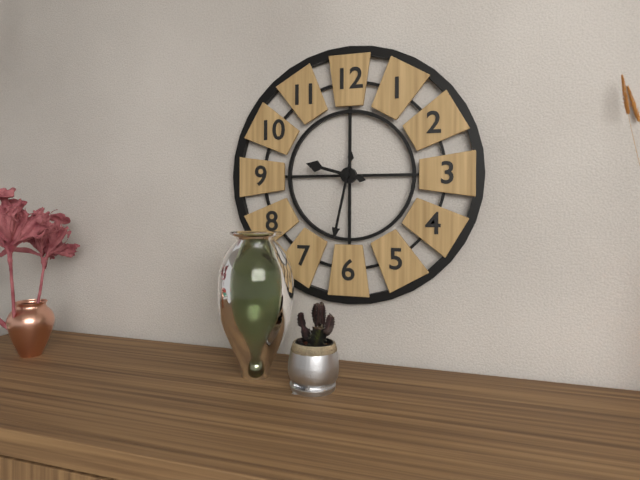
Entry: h=9 m=32
